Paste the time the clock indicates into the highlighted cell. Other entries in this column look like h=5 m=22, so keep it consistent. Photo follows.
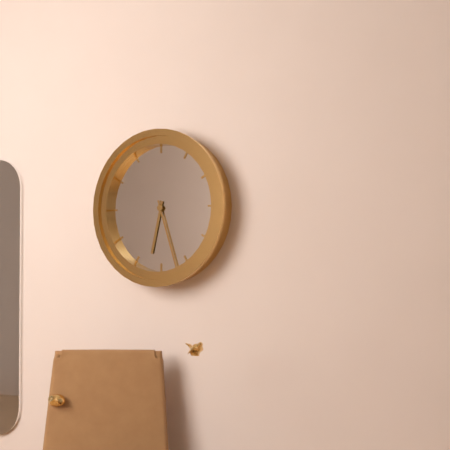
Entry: h=6 m=27
